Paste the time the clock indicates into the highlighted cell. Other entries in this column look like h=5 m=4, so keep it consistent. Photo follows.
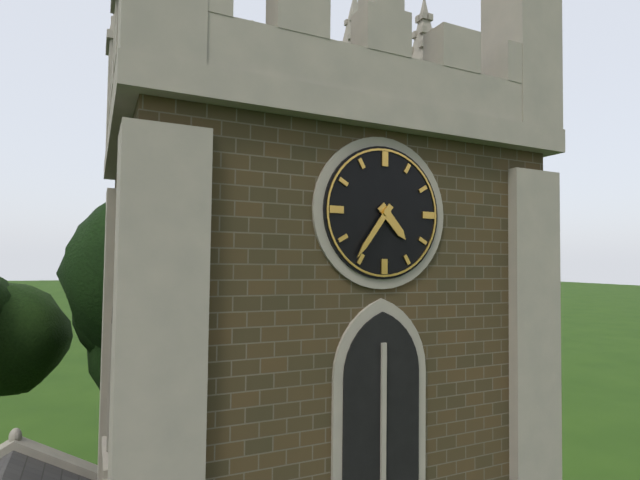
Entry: h=4 m=36
